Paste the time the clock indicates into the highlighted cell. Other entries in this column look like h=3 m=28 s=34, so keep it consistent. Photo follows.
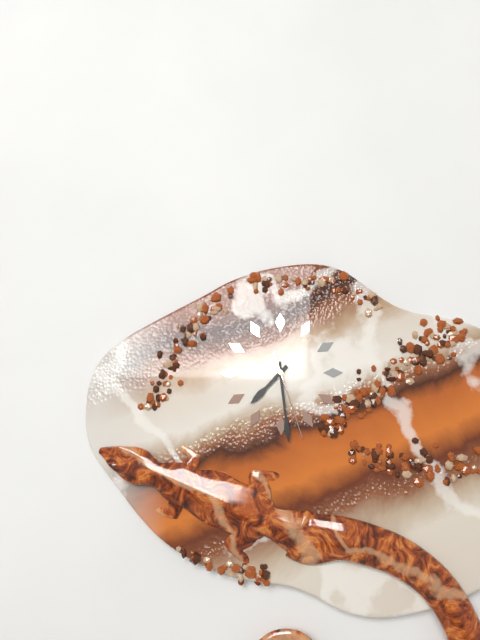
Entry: h=7 m=29 s=27
